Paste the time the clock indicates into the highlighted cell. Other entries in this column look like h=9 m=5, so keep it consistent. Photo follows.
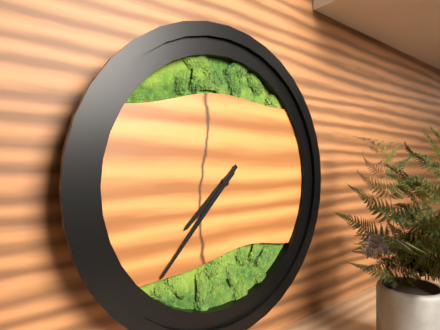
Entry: h=7 m=37
